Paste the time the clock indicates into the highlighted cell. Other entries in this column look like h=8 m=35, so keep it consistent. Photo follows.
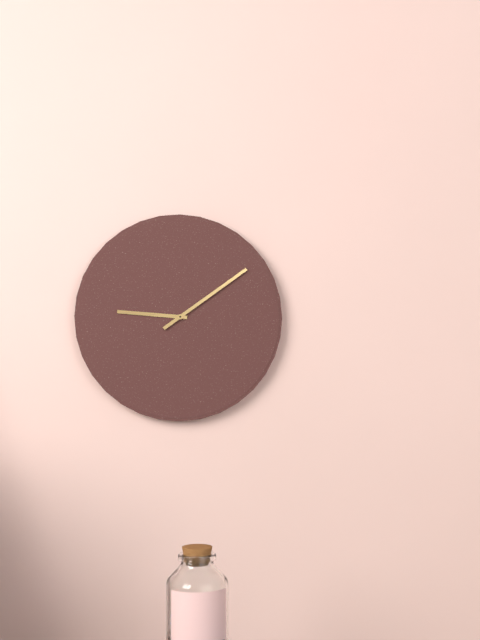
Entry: h=9 m=9
